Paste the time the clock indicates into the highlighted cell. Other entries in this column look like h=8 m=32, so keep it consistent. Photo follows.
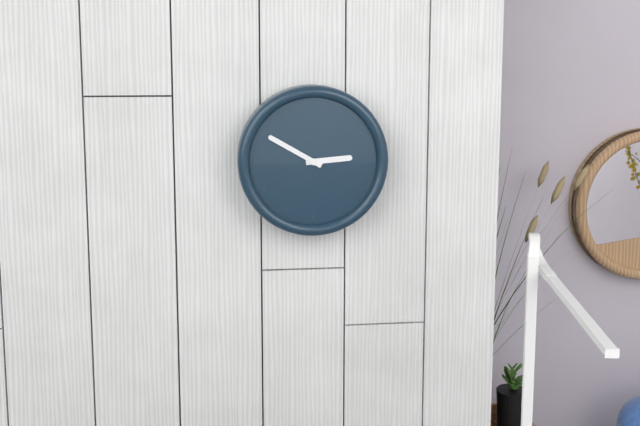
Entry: h=2 m=50
